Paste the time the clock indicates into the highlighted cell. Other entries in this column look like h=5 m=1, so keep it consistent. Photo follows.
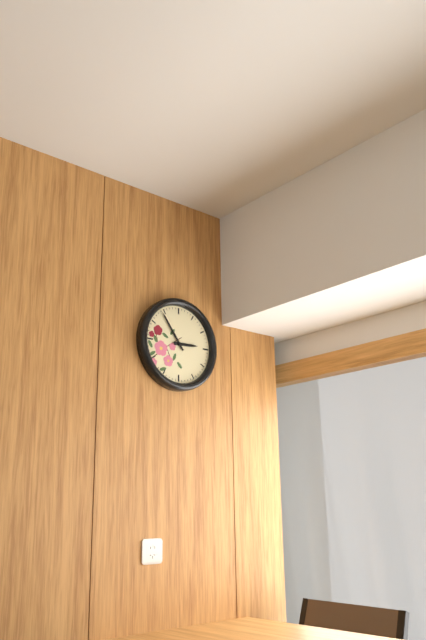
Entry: h=2 m=54
